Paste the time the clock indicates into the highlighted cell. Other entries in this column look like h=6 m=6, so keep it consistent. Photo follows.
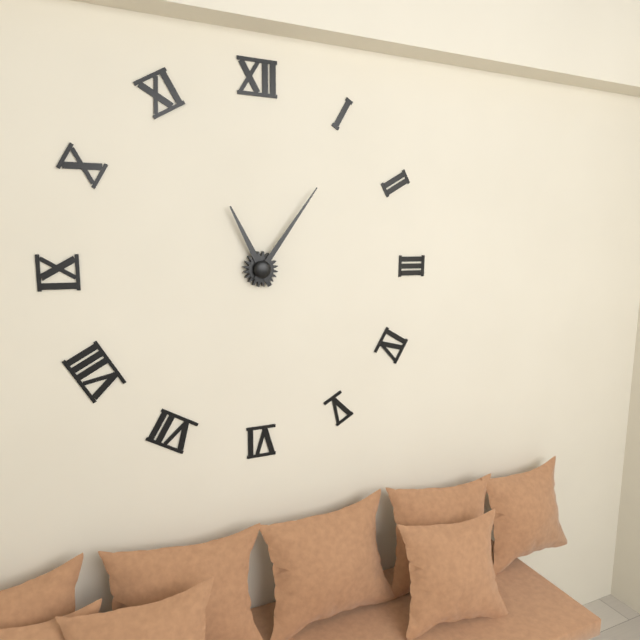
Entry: h=11 m=6
